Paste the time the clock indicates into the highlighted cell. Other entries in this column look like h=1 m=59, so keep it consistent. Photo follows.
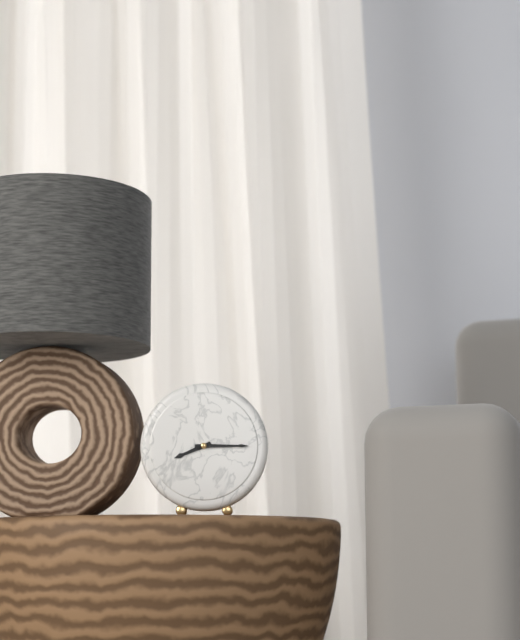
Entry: h=8 m=15
